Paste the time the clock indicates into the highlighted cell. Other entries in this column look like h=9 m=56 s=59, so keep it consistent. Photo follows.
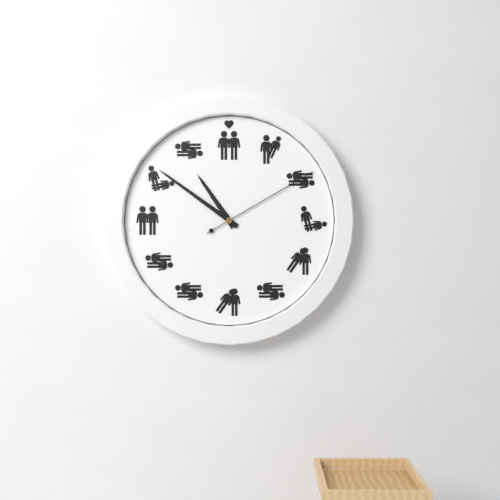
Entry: h=10 m=51 s=10
